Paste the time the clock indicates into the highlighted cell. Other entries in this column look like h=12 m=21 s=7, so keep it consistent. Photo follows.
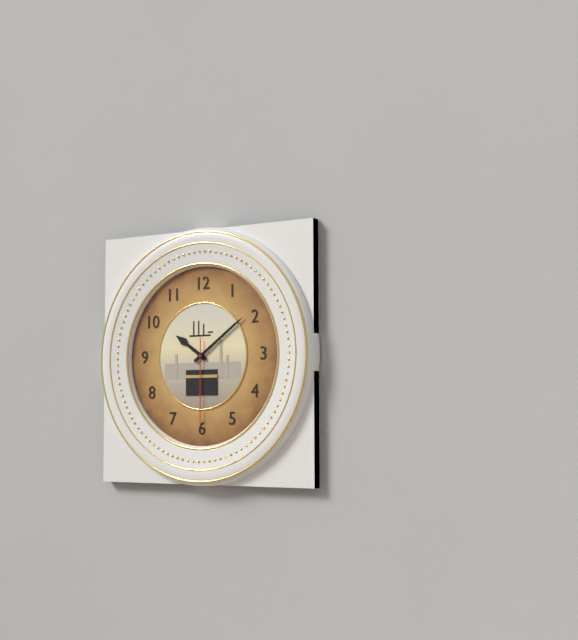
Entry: h=10 m=9 s=30
